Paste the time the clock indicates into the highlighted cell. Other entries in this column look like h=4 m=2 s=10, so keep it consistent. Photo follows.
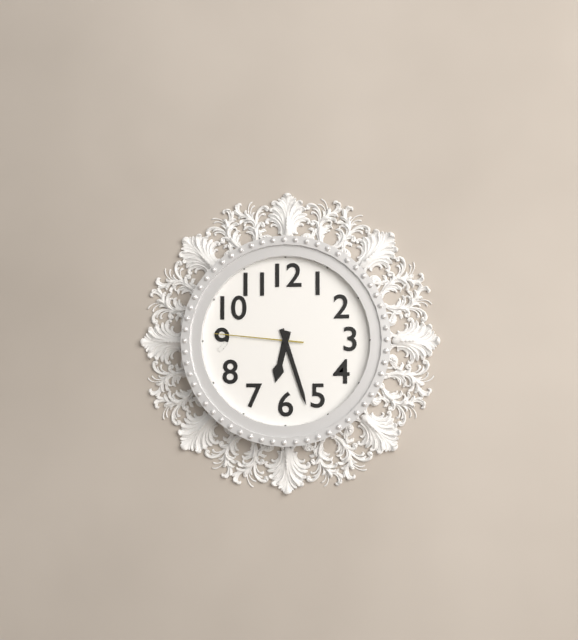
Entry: h=6 m=27 s=46
